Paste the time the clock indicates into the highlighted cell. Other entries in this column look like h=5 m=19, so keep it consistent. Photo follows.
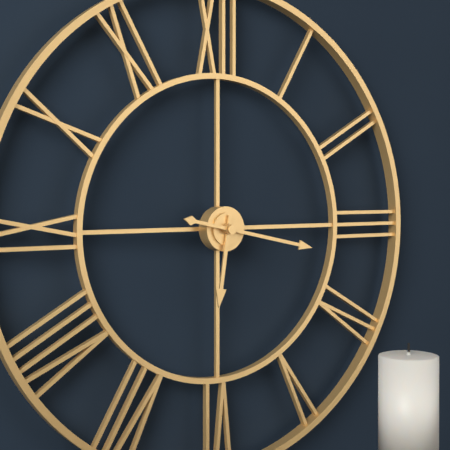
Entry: h=6 m=17
